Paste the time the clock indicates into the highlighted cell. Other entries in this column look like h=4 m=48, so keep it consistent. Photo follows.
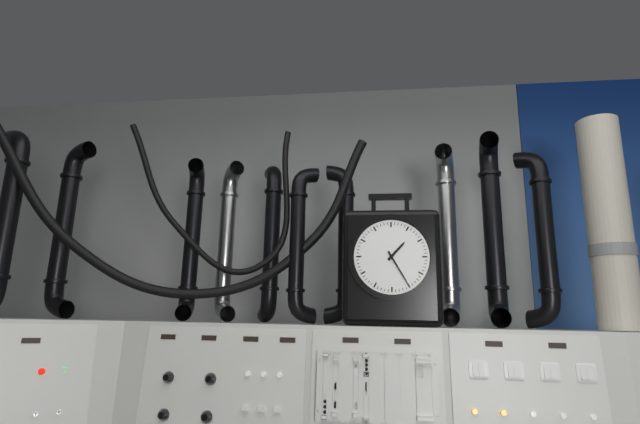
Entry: h=1 m=25
